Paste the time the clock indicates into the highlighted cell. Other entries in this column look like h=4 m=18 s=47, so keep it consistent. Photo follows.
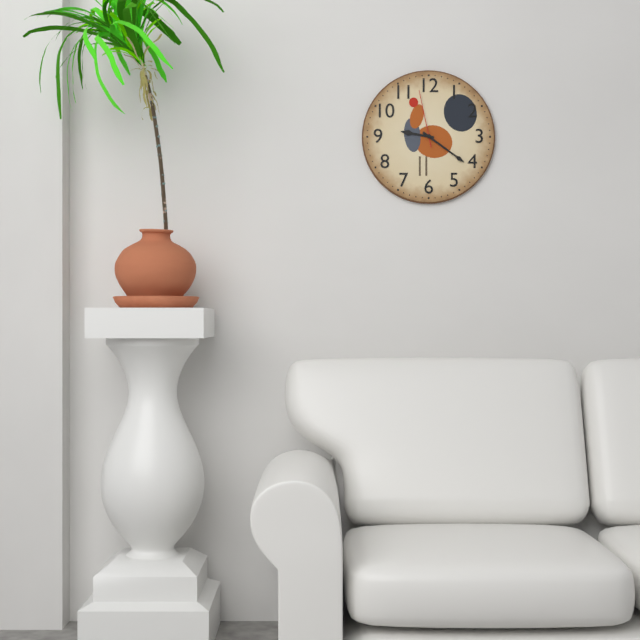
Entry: h=9 m=21 s=58
